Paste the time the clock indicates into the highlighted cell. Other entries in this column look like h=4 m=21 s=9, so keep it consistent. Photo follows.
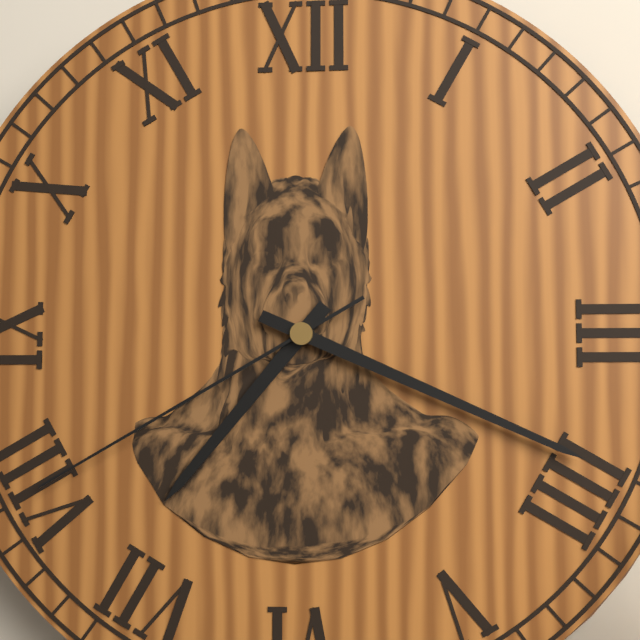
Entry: h=7 m=19 s=40
